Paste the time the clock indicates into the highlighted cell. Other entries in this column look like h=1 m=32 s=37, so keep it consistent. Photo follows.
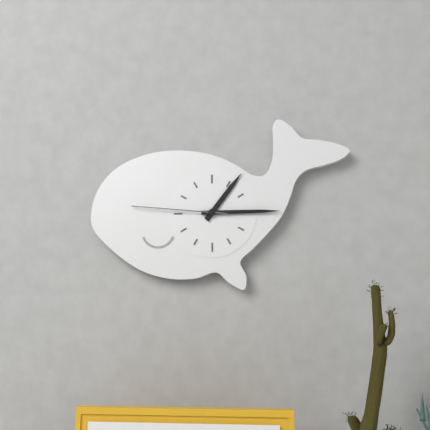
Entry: h=1 m=15 s=46
